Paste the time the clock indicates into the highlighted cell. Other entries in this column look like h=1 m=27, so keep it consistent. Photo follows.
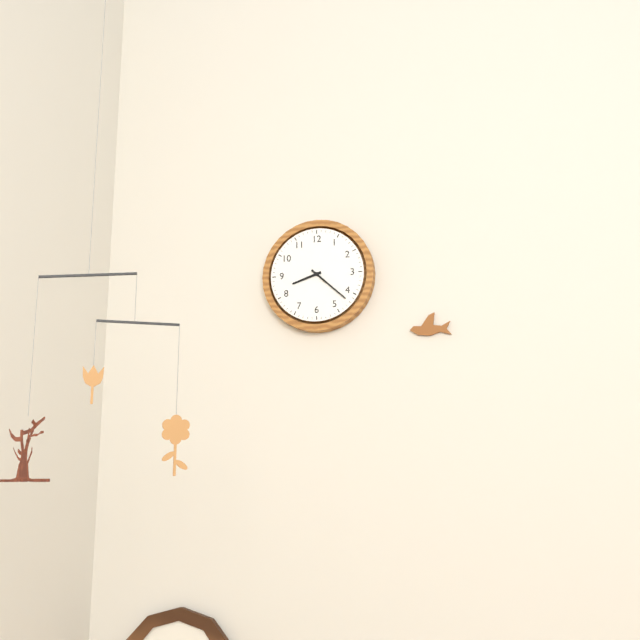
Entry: h=8 m=22
